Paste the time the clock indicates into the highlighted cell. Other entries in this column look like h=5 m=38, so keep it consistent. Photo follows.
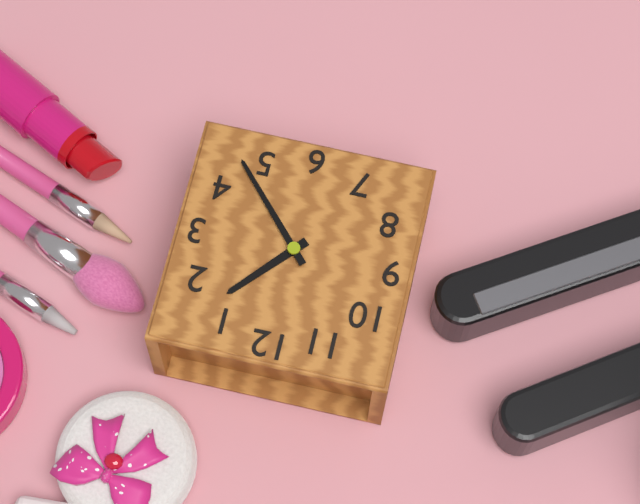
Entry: h=1 m=23
